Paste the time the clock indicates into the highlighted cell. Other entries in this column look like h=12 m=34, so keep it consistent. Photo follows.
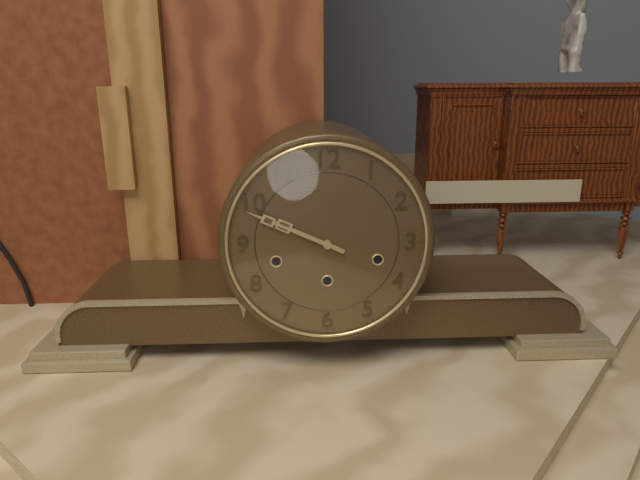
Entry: h=9 m=49
